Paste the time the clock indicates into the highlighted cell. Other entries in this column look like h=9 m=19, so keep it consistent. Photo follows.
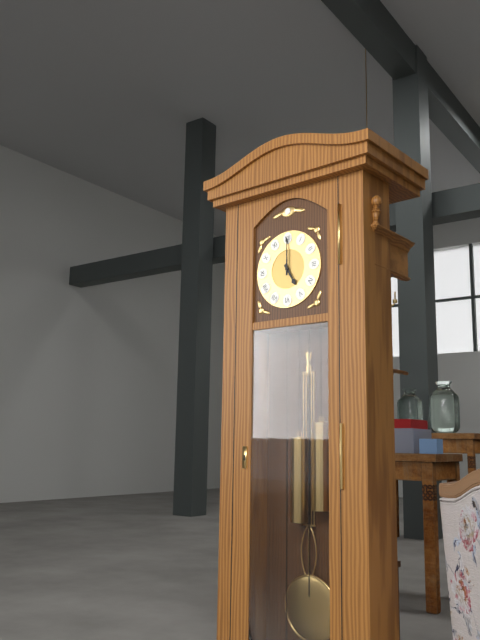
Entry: h=5 m=0
